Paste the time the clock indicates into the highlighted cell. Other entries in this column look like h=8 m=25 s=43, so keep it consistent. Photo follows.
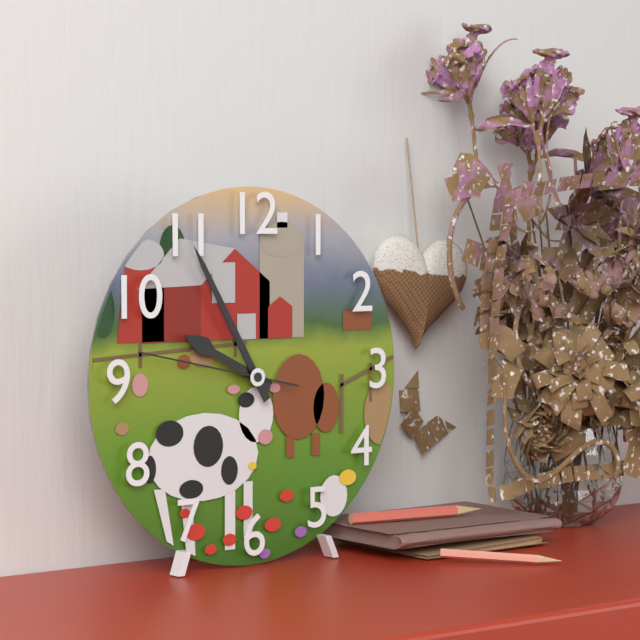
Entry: h=9 m=55 s=47
